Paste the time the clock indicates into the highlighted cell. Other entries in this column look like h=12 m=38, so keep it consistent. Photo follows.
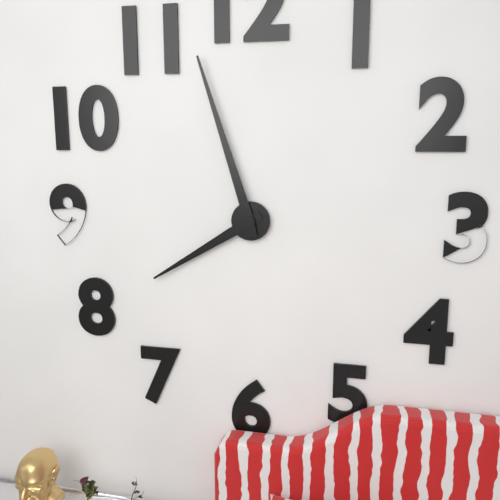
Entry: h=7 m=57
